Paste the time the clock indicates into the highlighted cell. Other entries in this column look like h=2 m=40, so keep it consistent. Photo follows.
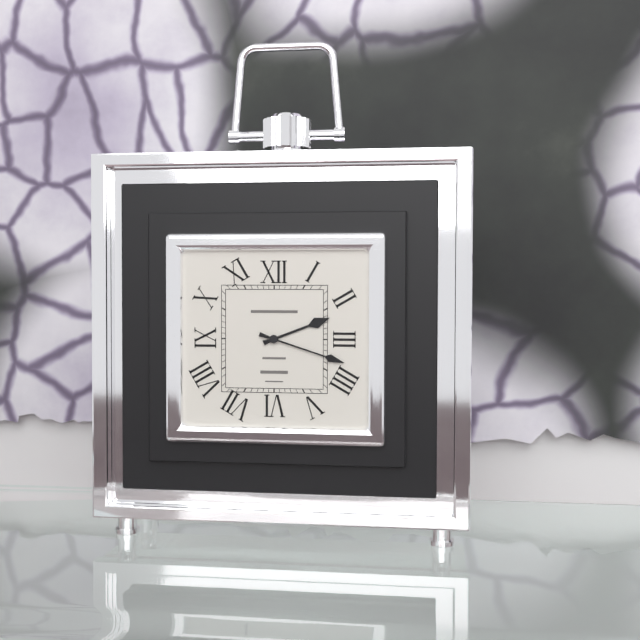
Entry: h=2 m=18
